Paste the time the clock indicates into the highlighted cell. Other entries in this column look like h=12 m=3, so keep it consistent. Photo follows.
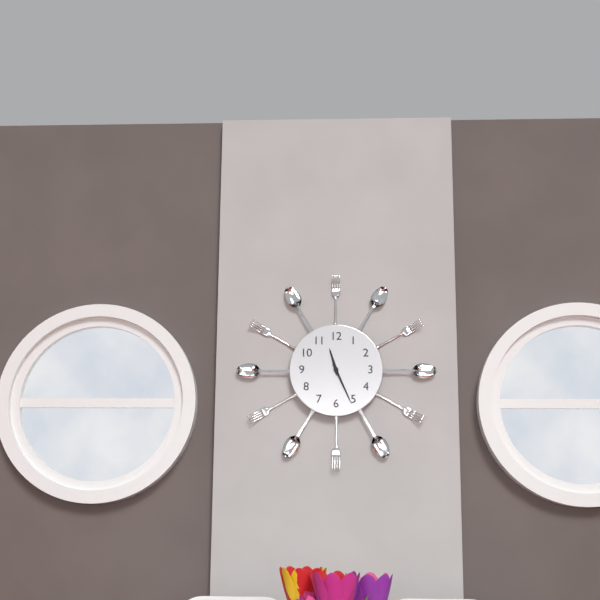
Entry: h=11 m=26
